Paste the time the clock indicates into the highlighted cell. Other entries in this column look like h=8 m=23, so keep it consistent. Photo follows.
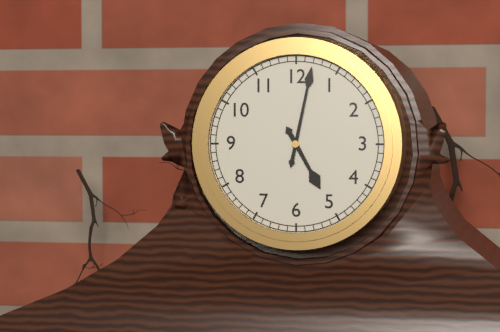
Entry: h=5 m=2
